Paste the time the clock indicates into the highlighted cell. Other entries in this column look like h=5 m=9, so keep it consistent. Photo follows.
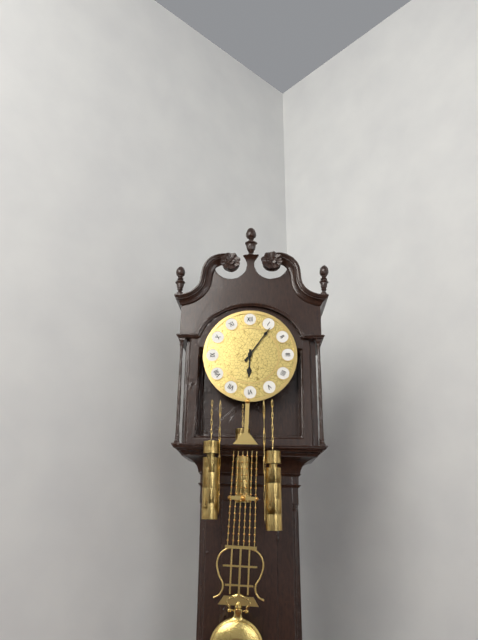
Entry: h=6 m=6
